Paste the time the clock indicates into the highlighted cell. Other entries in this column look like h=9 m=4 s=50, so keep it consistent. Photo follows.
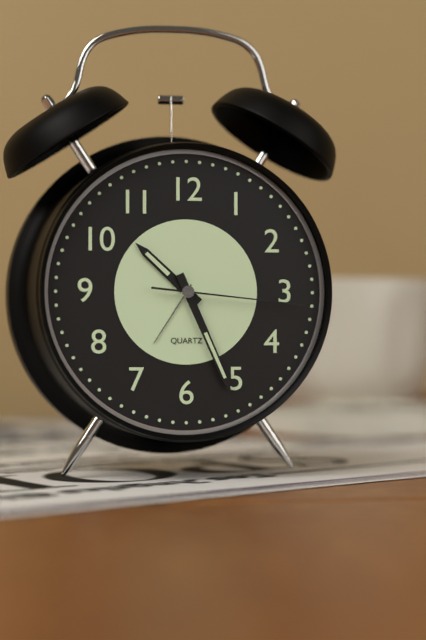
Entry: h=10 m=26 s=16
